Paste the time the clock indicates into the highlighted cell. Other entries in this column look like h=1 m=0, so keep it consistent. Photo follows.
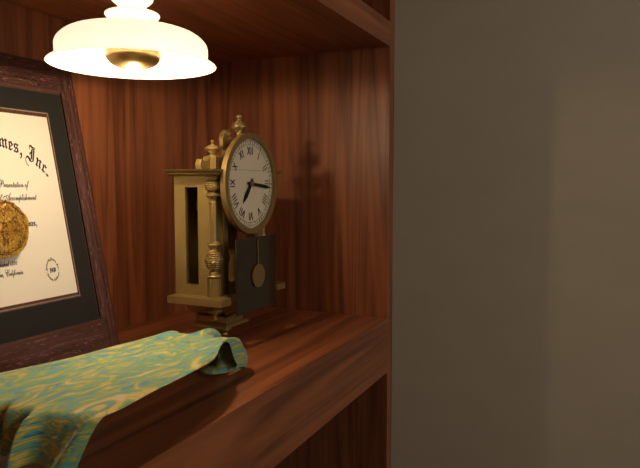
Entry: h=7 m=16
